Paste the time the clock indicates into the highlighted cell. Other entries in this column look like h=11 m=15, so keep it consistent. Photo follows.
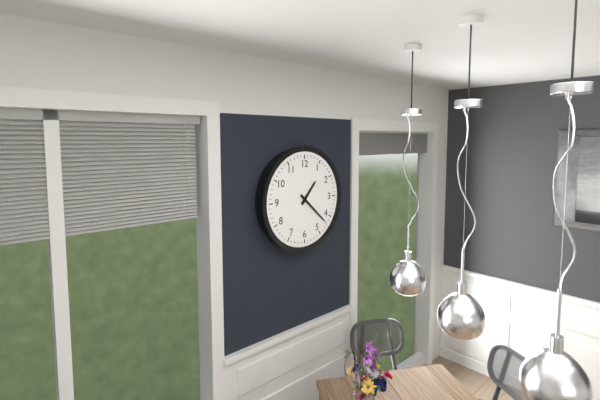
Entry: h=1 m=22
